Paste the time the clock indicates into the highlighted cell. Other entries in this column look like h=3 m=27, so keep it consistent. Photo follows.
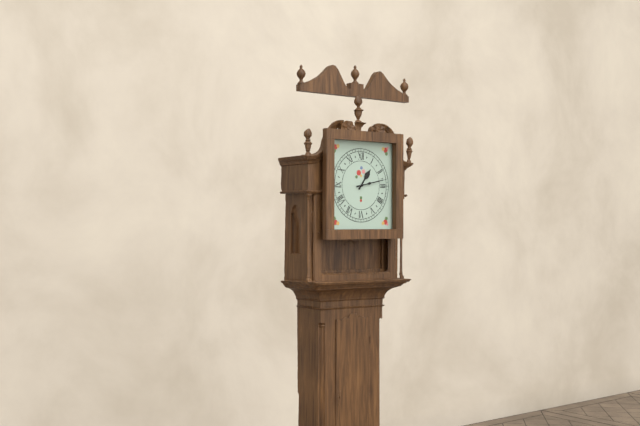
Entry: h=1 m=13
